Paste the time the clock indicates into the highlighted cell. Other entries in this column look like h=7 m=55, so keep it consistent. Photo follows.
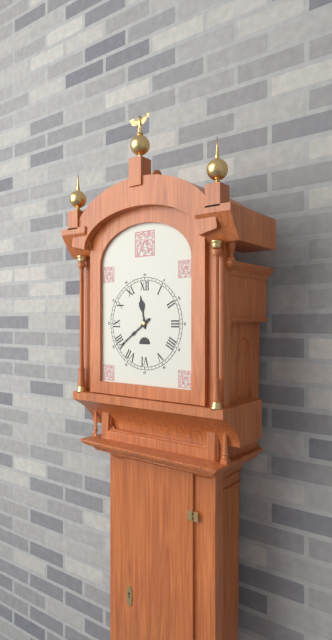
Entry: h=11 m=39
